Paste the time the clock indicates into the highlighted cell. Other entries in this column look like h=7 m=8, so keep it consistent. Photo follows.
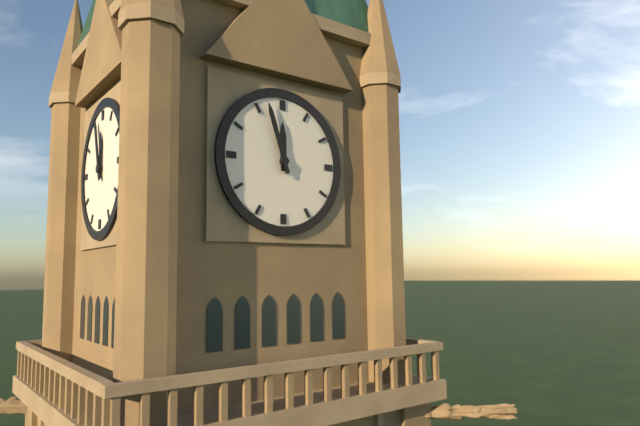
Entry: h=11 m=57
